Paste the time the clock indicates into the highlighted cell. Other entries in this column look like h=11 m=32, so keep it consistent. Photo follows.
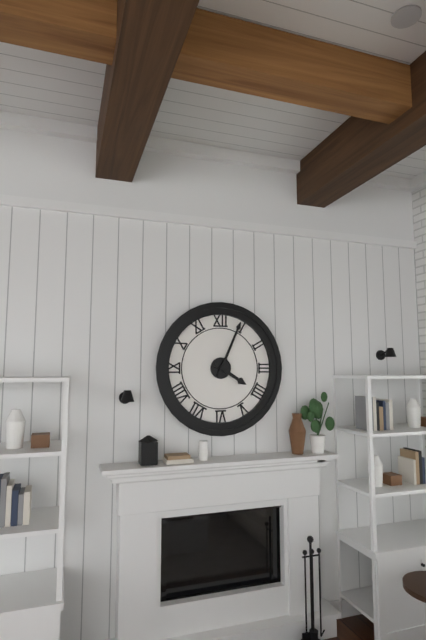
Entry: h=4 m=4
